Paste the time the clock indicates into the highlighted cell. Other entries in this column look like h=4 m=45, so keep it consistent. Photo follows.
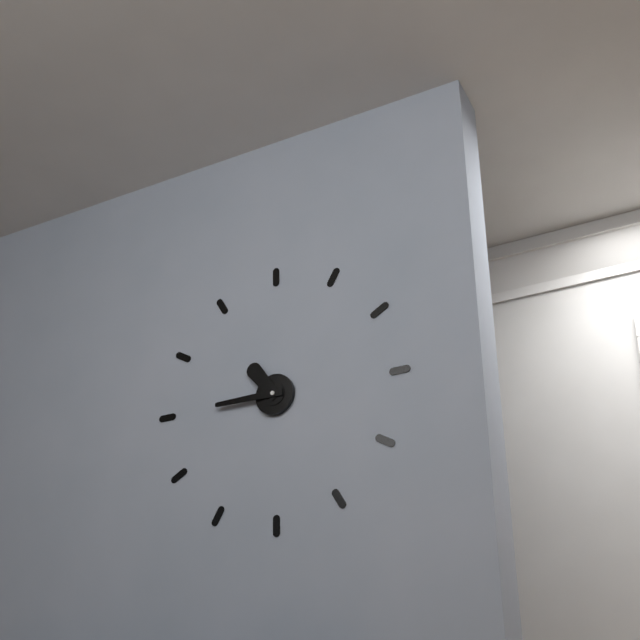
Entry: h=10 m=45
